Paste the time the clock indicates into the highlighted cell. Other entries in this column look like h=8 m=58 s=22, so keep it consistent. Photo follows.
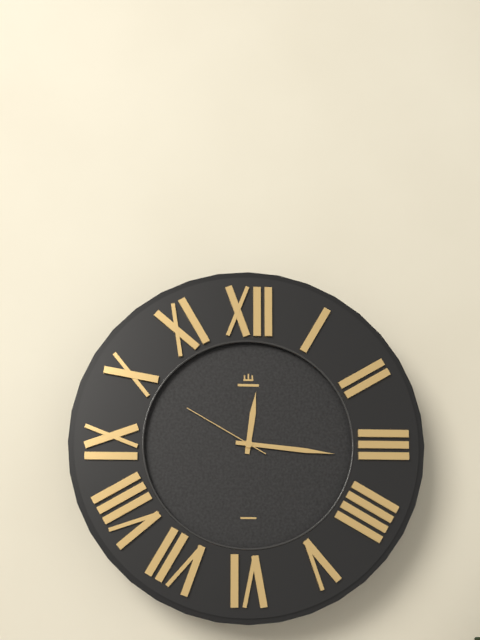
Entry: h=12 m=16 s=50
